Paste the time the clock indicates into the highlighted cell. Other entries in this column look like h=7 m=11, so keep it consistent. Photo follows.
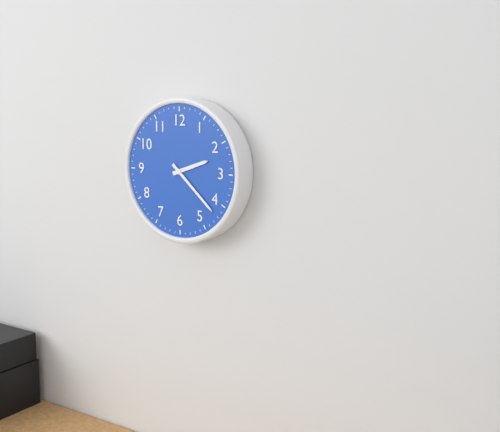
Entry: h=2 m=22
